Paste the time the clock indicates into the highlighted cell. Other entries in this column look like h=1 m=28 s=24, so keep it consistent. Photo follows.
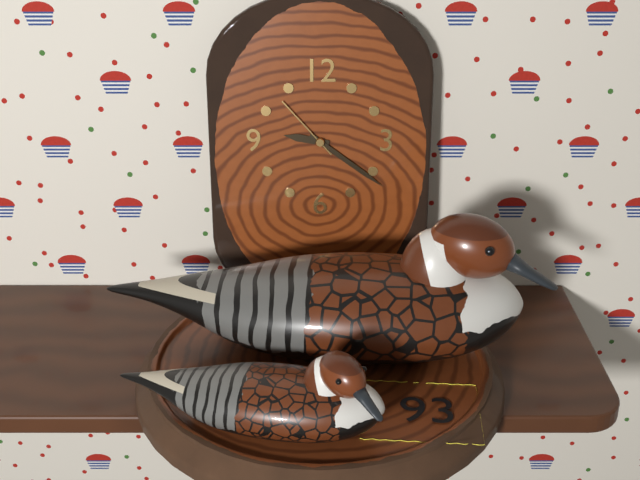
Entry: h=9 m=21 s=53
